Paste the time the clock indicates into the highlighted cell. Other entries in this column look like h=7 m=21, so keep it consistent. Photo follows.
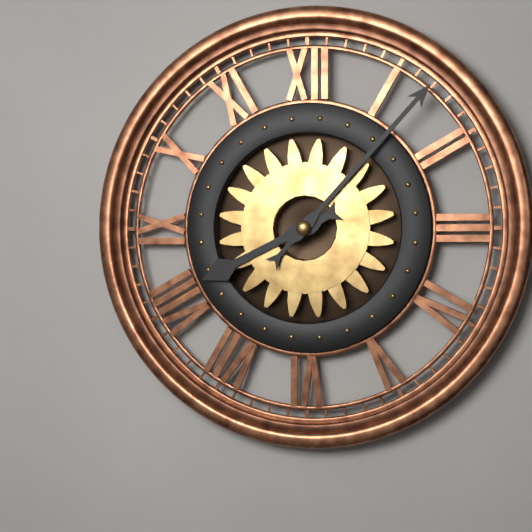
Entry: h=8 m=7
